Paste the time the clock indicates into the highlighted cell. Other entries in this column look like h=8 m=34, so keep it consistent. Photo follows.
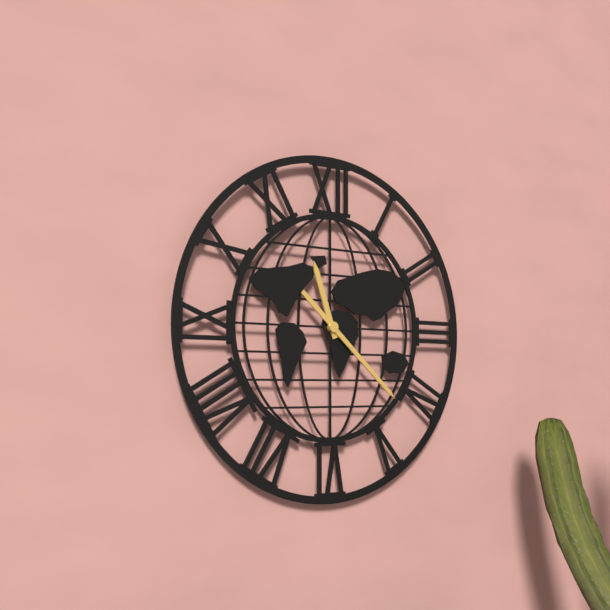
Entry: h=11 m=22
